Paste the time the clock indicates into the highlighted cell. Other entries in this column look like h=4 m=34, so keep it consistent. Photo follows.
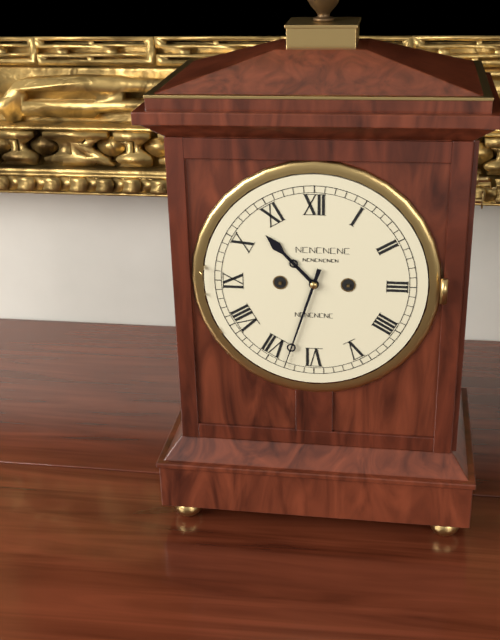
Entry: h=10 m=33
